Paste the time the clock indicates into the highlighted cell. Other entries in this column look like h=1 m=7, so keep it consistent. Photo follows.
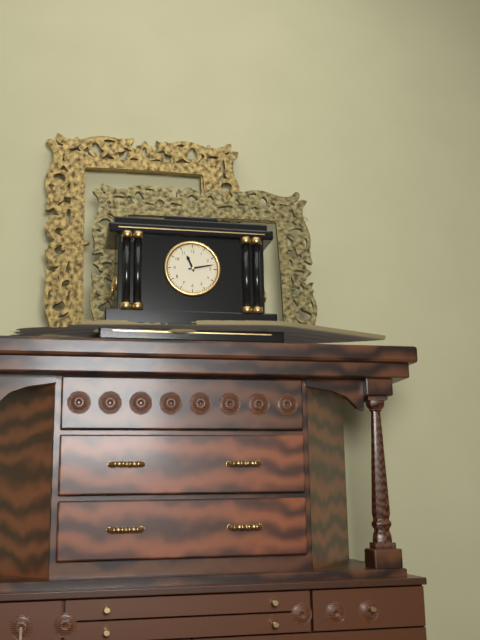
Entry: h=11 m=13
